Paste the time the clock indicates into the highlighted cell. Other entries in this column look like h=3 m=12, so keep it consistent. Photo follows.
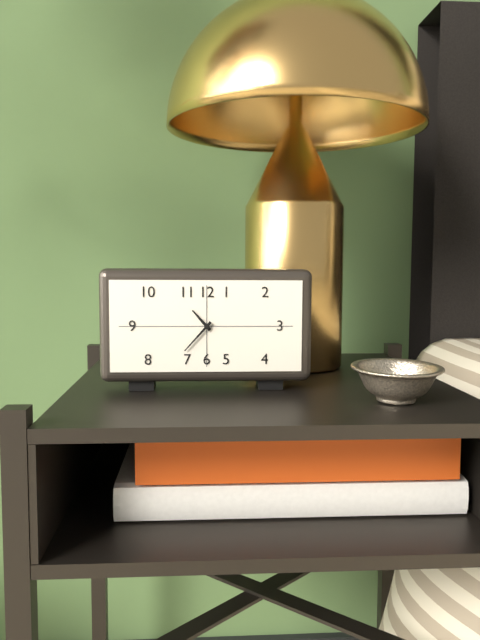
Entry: h=10 m=37
